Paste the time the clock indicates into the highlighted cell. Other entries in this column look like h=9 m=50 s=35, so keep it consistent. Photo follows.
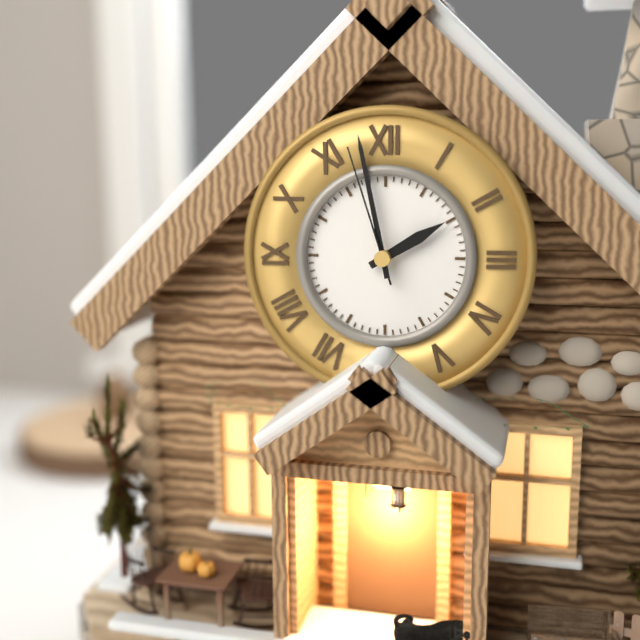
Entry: h=1 m=58 s=57
